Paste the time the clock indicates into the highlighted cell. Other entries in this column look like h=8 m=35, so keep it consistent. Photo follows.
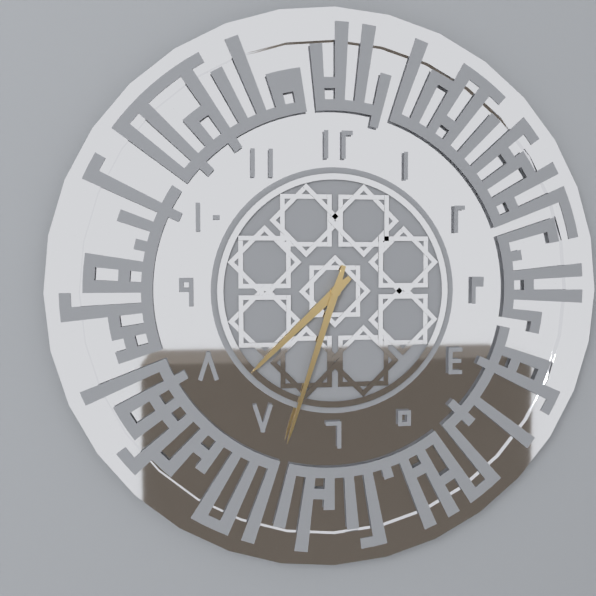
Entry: h=7 m=33
